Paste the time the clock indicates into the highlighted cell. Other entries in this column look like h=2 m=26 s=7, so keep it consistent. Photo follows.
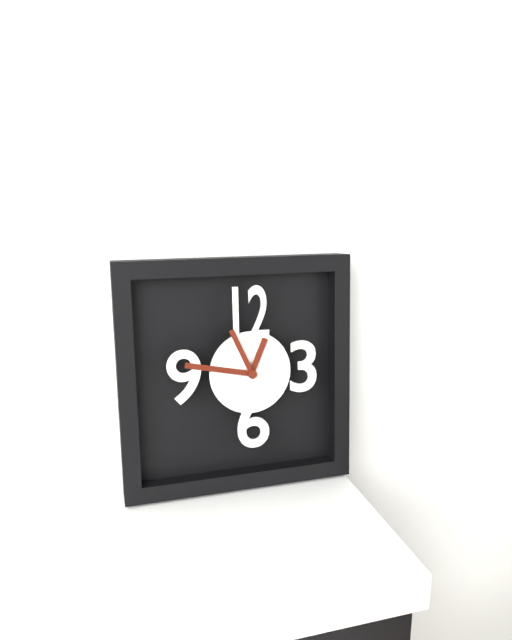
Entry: h=12 m=47 s=56
